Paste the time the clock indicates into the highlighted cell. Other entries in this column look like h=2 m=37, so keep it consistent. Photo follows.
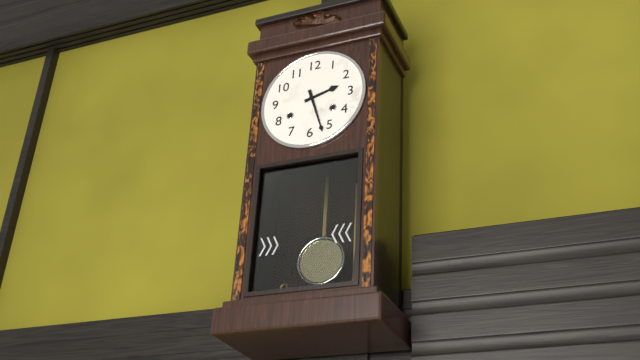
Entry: h=2 m=27
